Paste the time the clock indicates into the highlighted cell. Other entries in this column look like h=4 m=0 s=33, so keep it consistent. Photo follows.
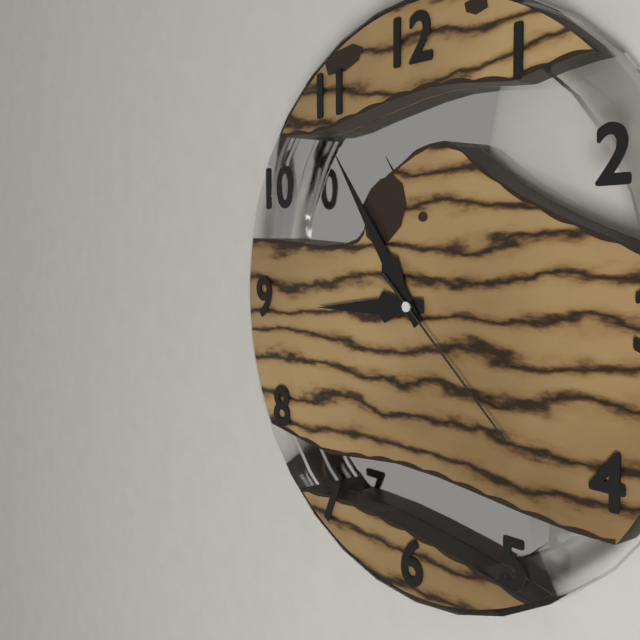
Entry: h=8 m=54 s=22
